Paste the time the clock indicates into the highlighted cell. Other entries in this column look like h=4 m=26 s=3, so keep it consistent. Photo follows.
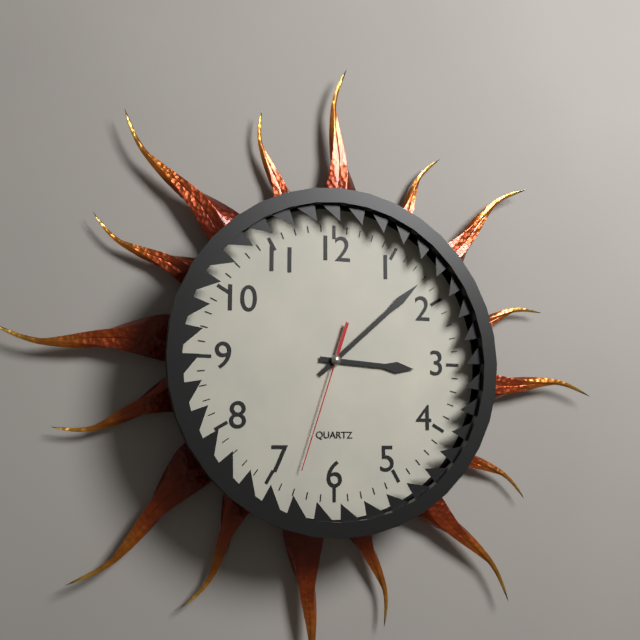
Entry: h=3 m=8 s=33
